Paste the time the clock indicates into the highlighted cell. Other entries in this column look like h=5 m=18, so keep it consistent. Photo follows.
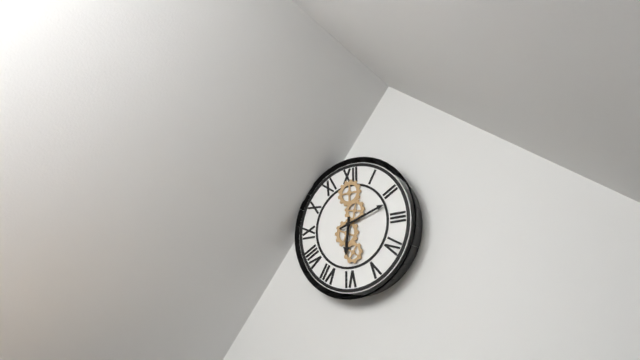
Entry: h=6 m=12
